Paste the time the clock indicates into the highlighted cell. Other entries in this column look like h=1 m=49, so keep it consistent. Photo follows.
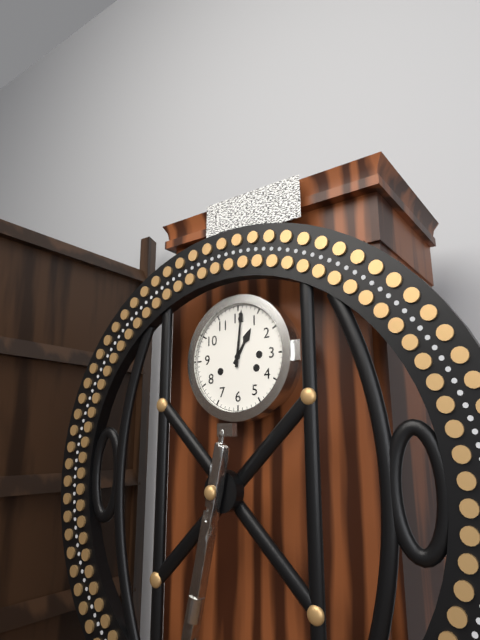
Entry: h=1 m=1
